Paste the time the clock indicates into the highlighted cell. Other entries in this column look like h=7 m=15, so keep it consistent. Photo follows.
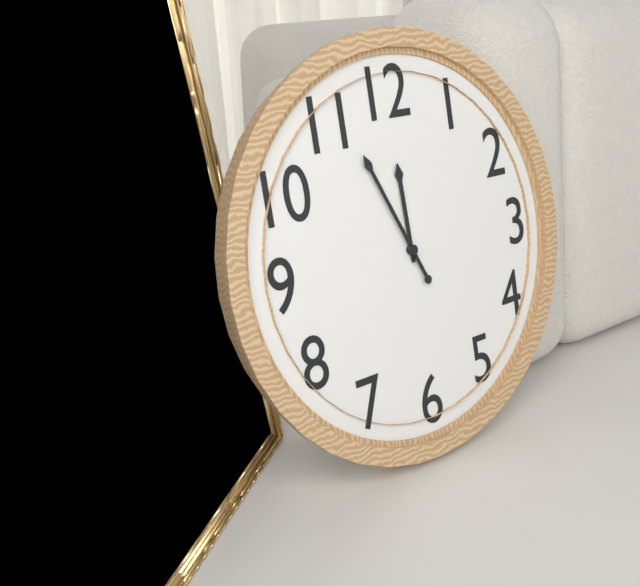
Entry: h=11 m=56
